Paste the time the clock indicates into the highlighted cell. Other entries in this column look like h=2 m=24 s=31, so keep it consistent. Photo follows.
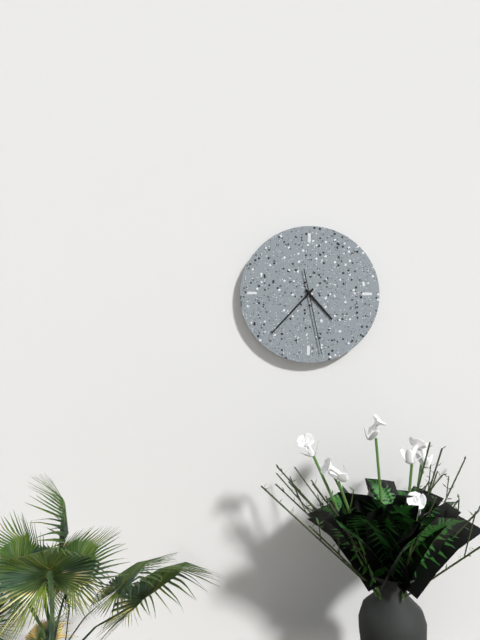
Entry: h=4 m=37 s=28
